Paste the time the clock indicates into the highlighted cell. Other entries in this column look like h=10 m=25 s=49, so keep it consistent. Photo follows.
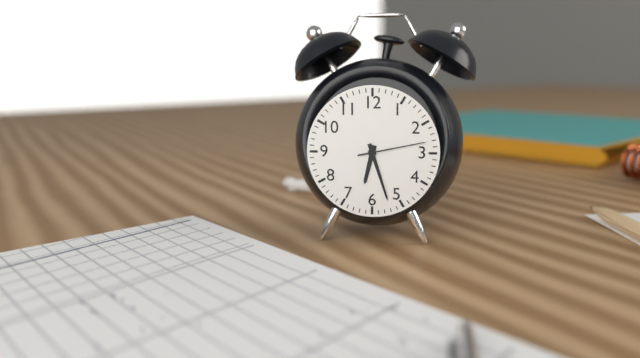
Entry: h=6 m=27 s=13
